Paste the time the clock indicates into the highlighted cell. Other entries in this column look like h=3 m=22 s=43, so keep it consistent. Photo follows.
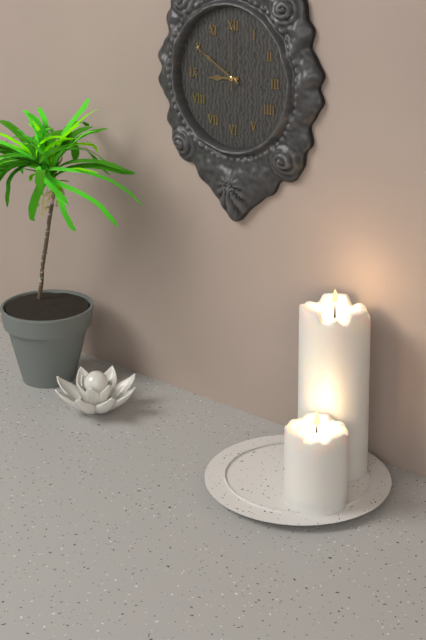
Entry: h=8 m=50 s=0
